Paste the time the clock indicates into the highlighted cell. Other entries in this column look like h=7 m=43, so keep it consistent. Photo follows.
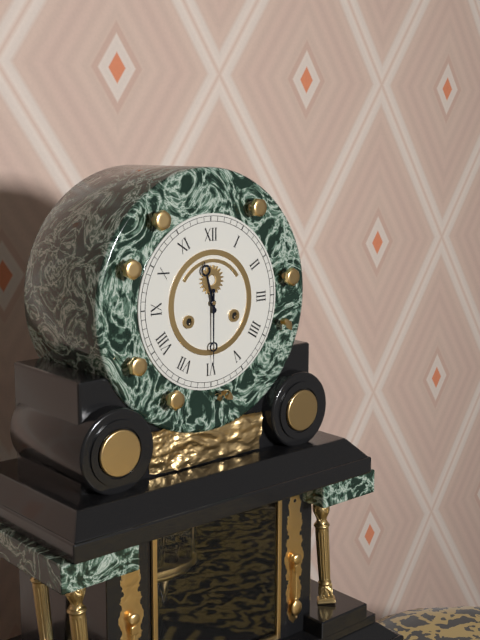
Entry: h=11 m=30
